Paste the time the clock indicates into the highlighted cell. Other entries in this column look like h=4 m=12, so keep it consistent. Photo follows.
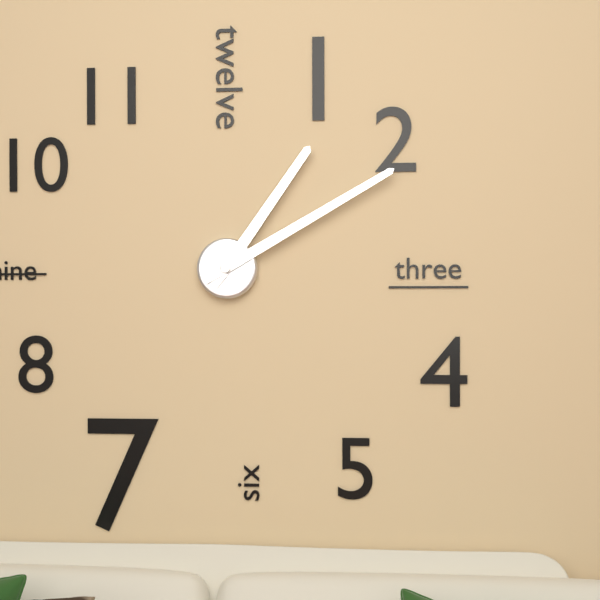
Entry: h=1 m=10
